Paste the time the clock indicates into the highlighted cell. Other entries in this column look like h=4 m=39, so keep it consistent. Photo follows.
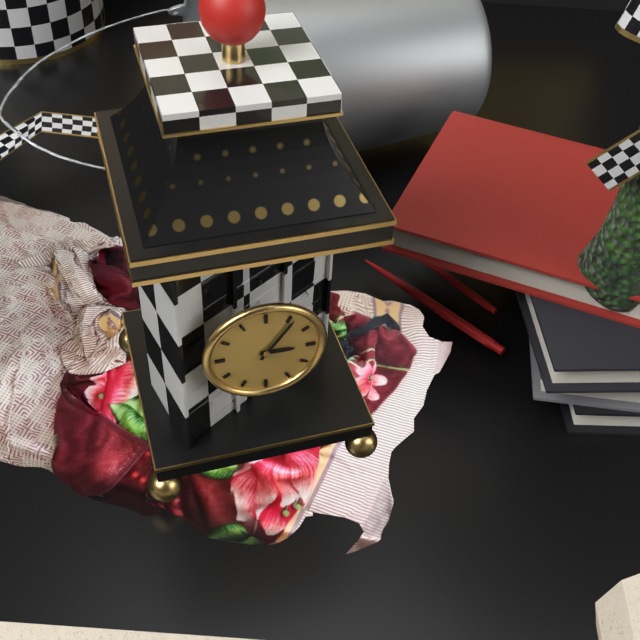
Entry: h=3 m=6
